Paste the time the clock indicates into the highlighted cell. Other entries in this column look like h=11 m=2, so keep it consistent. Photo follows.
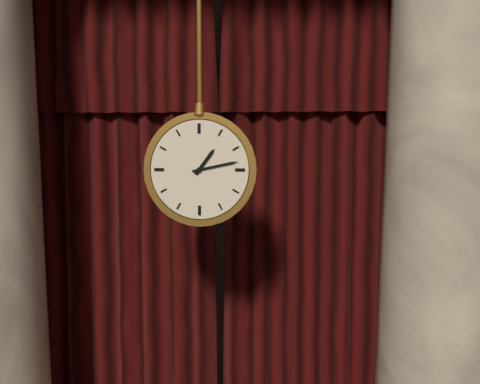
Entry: h=1 m=13
